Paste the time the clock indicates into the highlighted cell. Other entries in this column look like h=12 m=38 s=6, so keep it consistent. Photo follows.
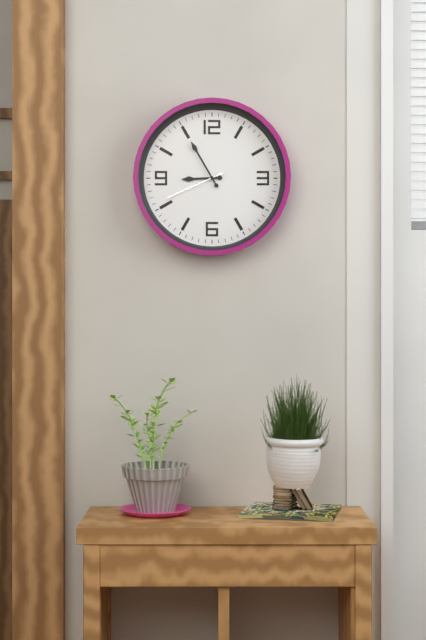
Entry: h=8 m=55 s=41
